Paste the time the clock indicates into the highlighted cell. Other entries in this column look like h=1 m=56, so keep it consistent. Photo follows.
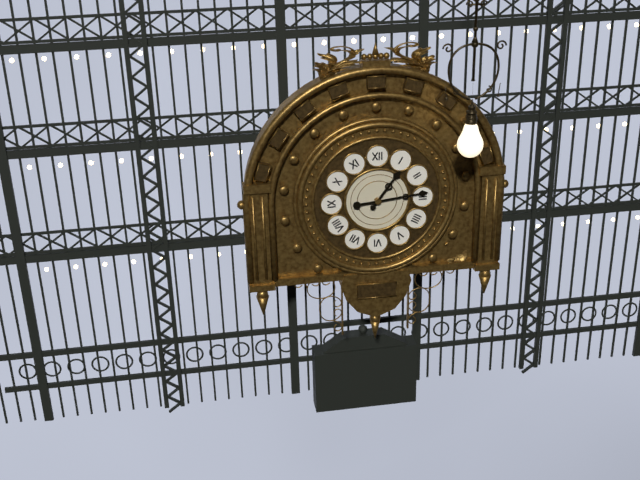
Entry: h=1 m=14
